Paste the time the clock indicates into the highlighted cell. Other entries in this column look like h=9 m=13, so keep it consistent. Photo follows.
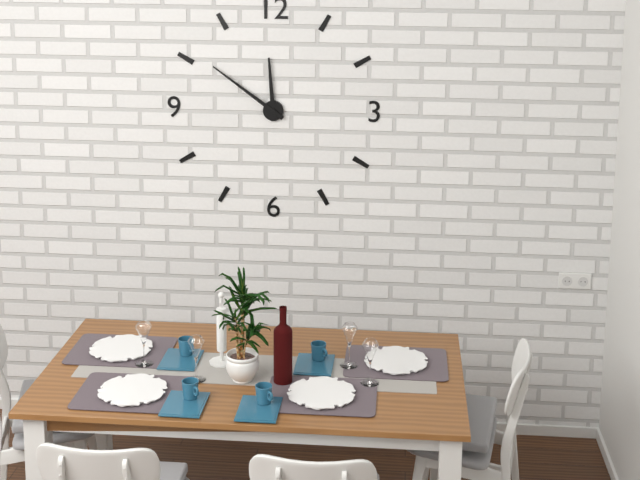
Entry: h=11 m=51
